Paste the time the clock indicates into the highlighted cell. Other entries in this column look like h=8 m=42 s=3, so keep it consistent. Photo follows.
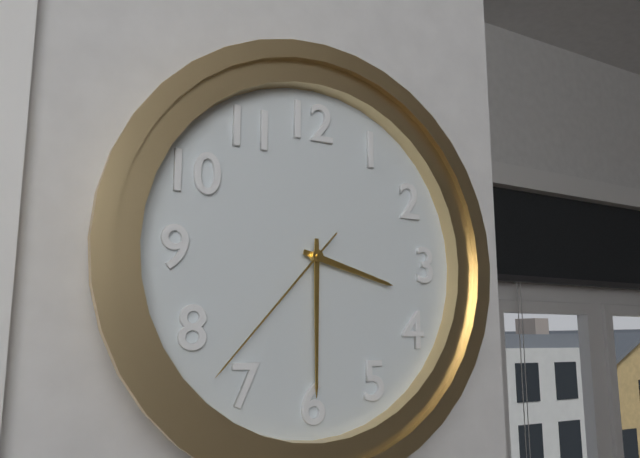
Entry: h=3 m=30 s=37
